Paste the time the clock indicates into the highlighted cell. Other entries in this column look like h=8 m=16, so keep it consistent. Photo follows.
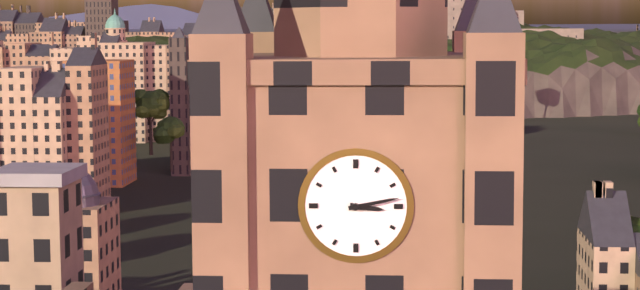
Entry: h=3 m=13
